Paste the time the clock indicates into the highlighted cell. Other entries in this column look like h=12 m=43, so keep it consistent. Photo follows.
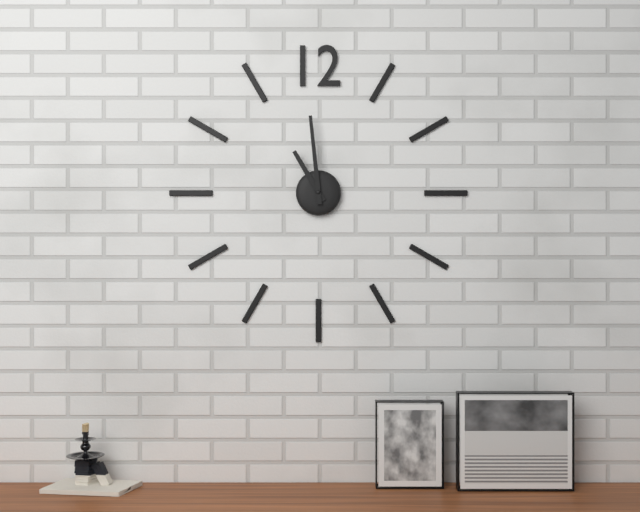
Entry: h=10 m=59
